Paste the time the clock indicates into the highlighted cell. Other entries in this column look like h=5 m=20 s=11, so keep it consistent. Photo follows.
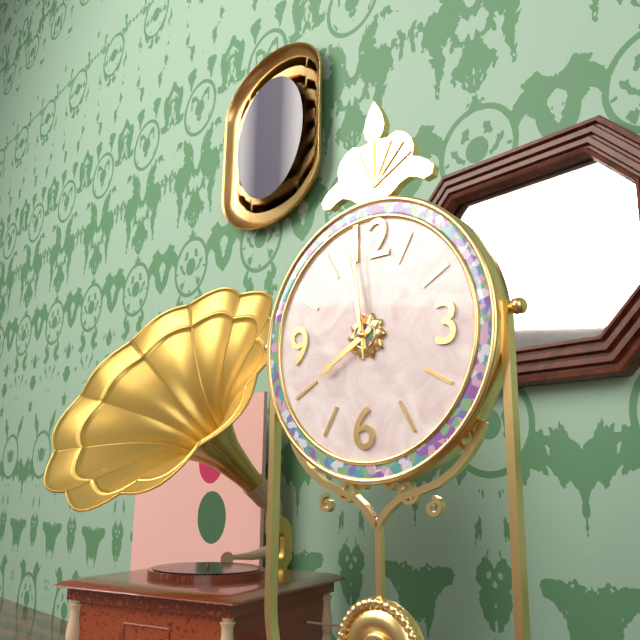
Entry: h=7 m=58 s=59
